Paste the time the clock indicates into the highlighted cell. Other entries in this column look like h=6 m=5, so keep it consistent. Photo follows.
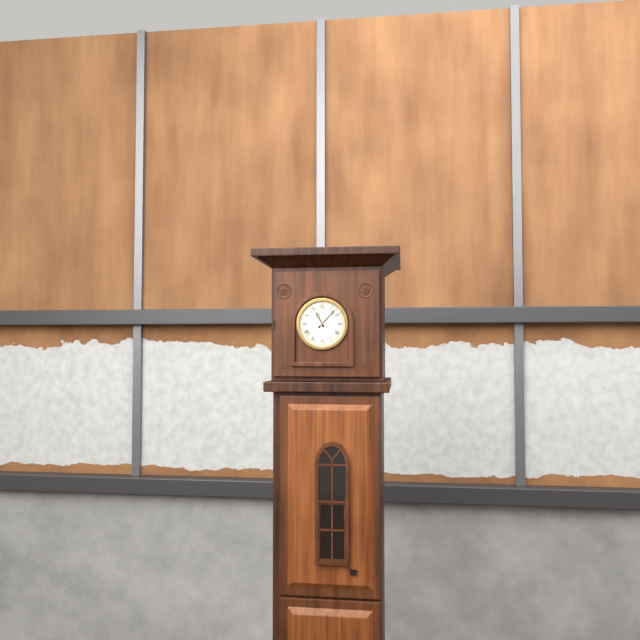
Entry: h=11 m=7
